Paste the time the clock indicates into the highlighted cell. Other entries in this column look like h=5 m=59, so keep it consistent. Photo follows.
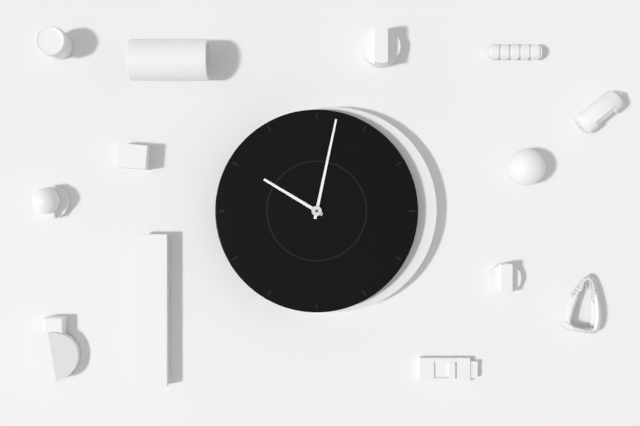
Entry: h=10 m=2
